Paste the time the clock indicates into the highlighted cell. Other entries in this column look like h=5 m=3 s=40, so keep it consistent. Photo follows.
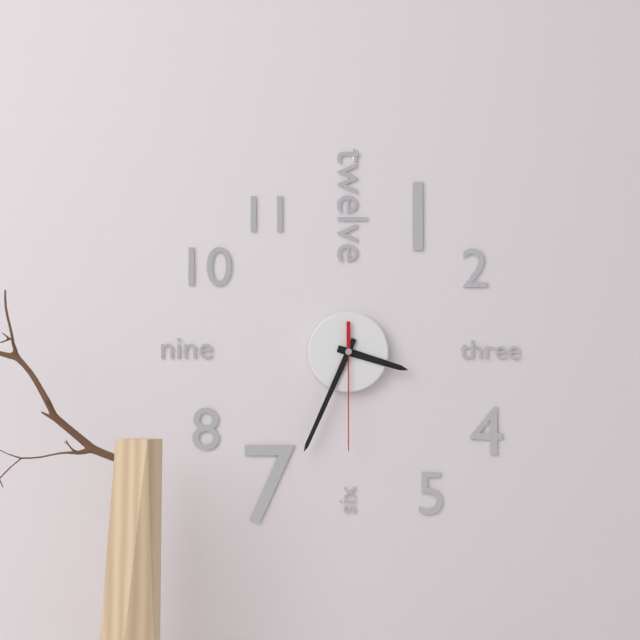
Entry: h=3 m=34 s=30
